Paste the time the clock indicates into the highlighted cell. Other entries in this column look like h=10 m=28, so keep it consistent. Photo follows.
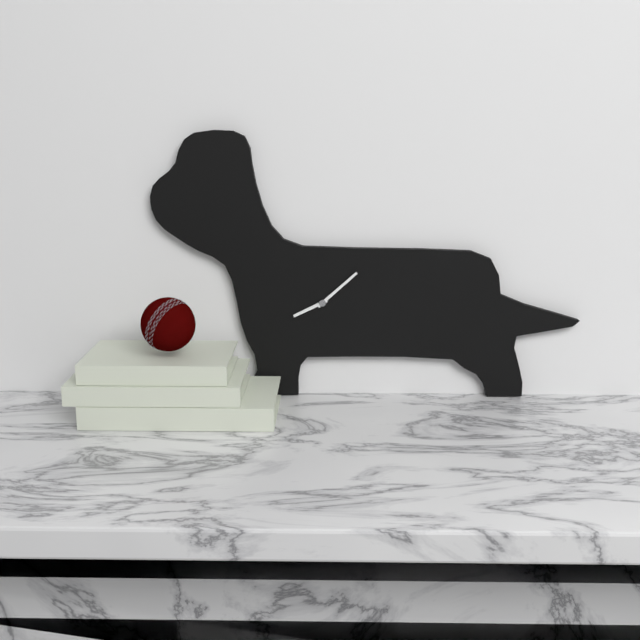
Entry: h=8 m=8
